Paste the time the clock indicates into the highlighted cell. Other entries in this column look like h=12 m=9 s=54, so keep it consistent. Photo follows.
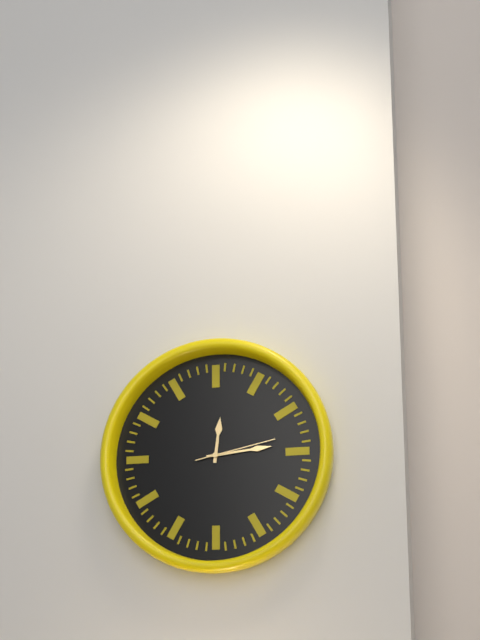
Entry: h=12 m=14 s=13
